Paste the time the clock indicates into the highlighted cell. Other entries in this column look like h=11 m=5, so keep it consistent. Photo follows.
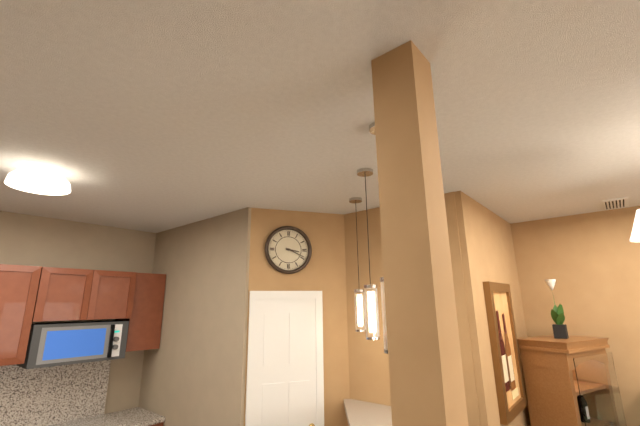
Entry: h=3 m=19
